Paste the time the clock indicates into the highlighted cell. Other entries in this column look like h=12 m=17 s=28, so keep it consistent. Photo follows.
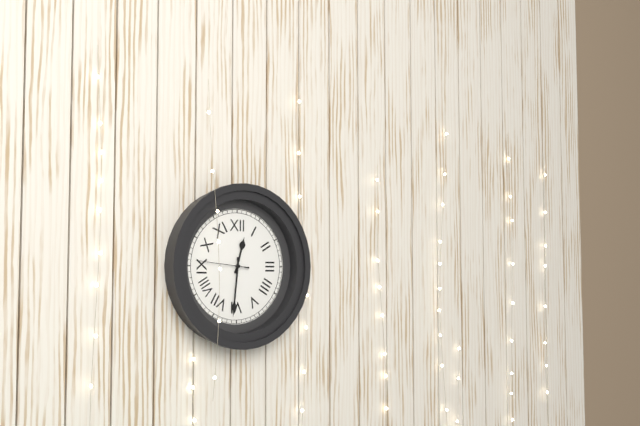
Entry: h=12 m=31 s=46
